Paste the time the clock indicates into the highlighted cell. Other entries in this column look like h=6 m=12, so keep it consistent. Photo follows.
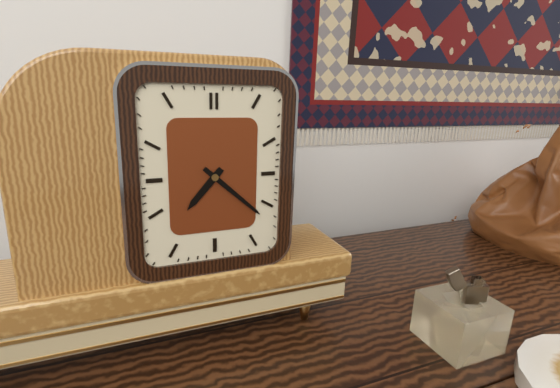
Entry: h=7 m=22
